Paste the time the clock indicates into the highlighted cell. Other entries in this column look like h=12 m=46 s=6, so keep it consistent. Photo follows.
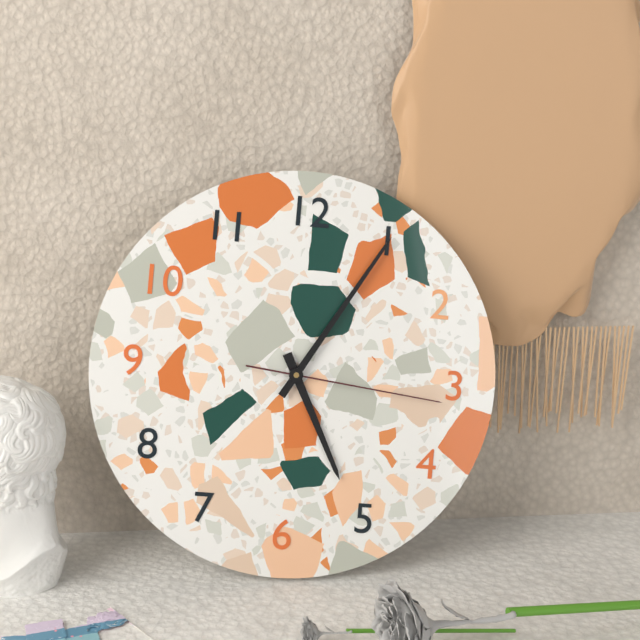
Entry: h=5 m=5 s=16
